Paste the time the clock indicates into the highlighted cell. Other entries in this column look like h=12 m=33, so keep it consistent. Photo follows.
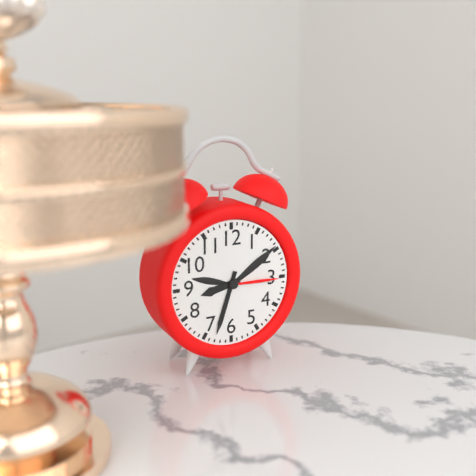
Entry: h=8 m=33
